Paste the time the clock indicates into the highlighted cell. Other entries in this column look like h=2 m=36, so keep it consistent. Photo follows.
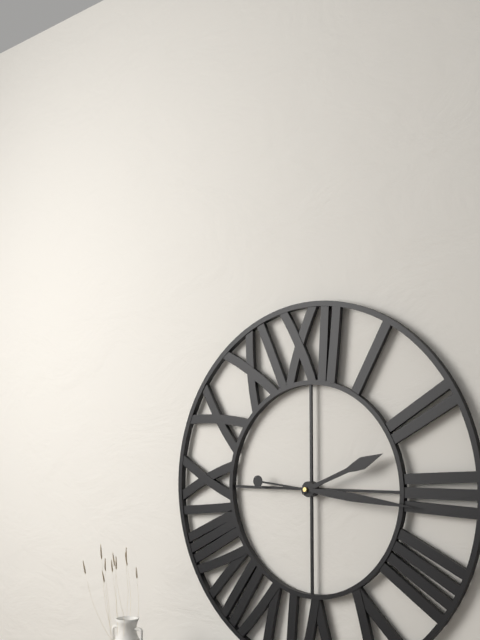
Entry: h=2 m=16
